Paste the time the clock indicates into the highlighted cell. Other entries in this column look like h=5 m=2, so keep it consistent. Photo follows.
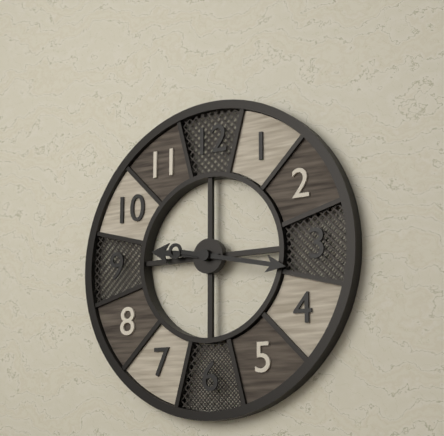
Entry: h=9 m=17
